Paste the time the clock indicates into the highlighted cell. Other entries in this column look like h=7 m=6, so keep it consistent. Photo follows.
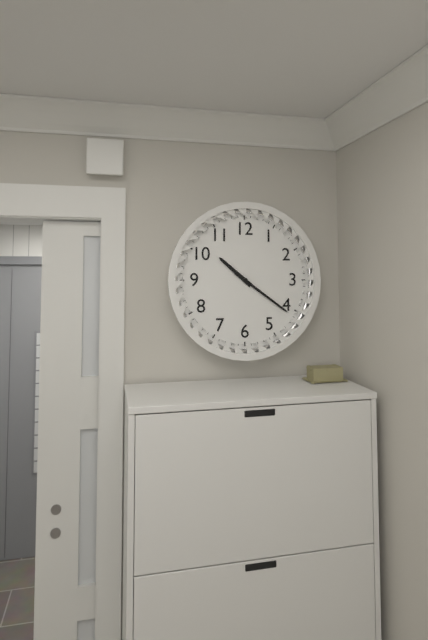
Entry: h=10 m=21
